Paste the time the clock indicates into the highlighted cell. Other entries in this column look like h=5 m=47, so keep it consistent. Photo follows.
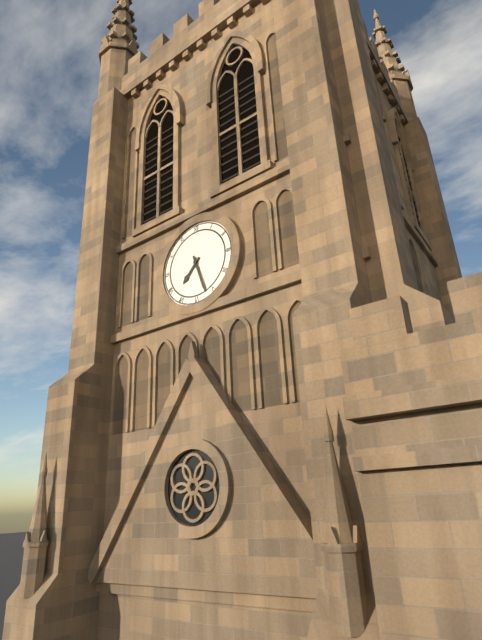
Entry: h=7 m=27
